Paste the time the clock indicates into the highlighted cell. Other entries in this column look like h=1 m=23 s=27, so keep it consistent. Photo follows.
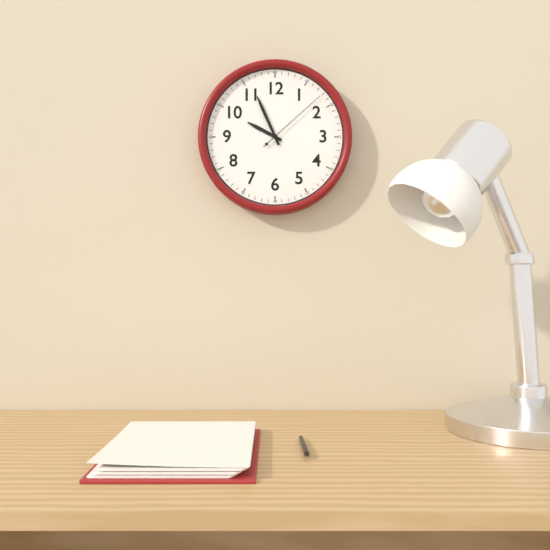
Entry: h=9 m=56 s=8
